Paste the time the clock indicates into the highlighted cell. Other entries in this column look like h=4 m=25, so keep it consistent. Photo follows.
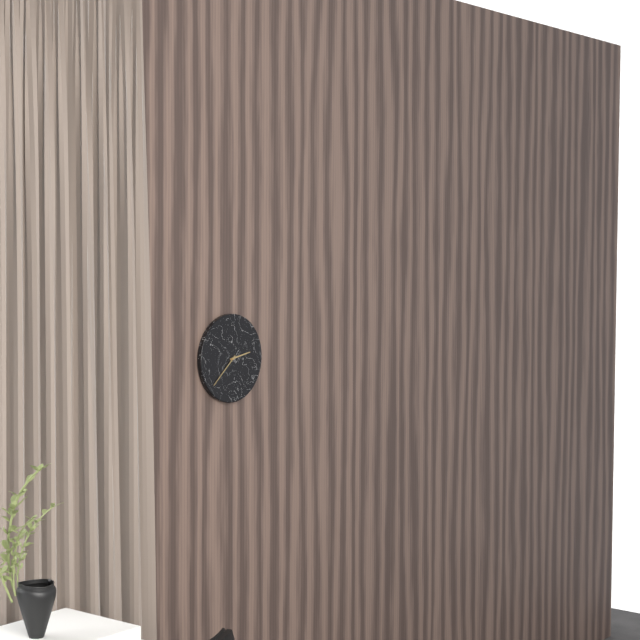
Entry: h=2 m=38
